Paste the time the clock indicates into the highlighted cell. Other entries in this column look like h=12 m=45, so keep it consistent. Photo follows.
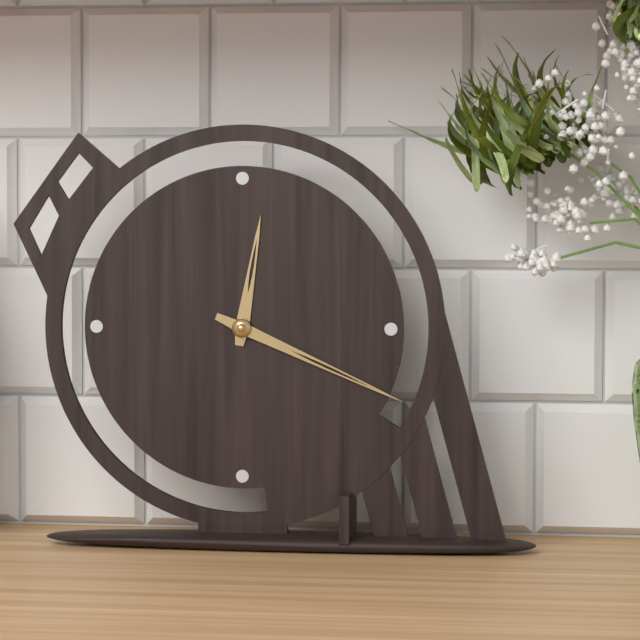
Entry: h=12 m=19
